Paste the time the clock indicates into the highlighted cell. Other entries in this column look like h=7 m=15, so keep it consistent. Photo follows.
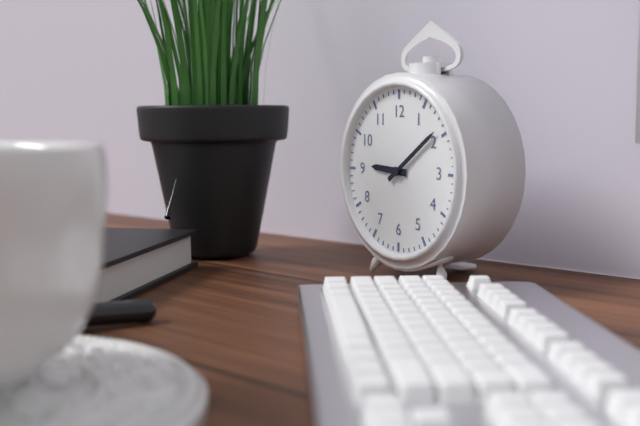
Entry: h=9 m=9
